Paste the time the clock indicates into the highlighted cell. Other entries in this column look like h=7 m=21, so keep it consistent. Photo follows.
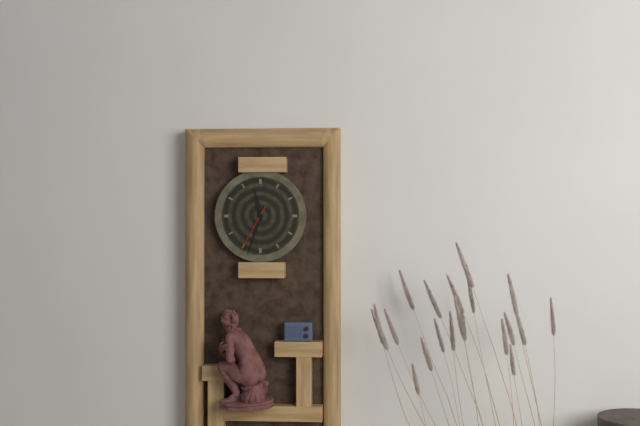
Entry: h=11 m=33
